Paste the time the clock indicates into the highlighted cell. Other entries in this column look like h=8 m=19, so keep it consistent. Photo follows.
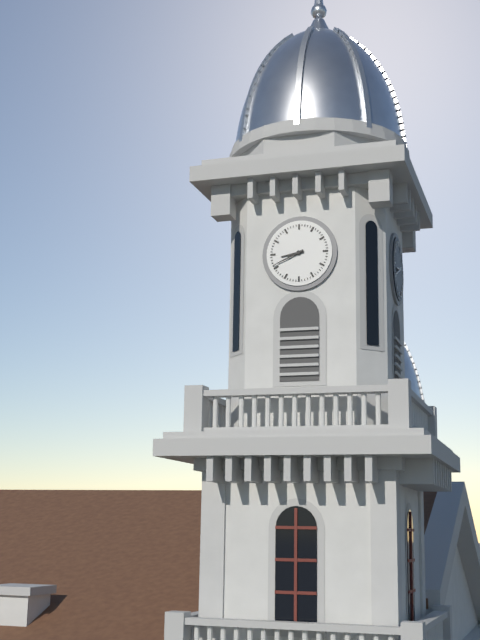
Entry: h=8 m=41
